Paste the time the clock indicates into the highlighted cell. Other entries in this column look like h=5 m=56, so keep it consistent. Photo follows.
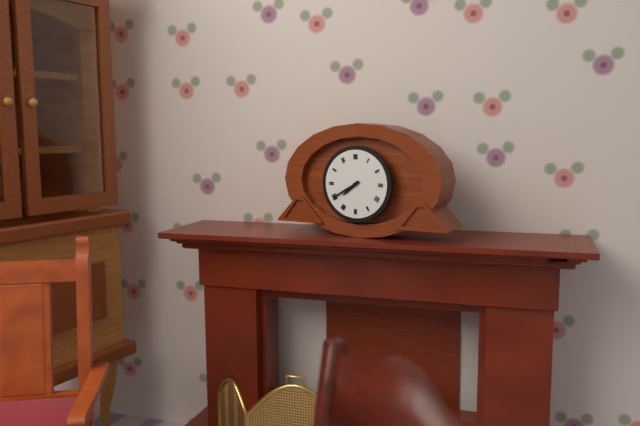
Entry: h=7 m=40
